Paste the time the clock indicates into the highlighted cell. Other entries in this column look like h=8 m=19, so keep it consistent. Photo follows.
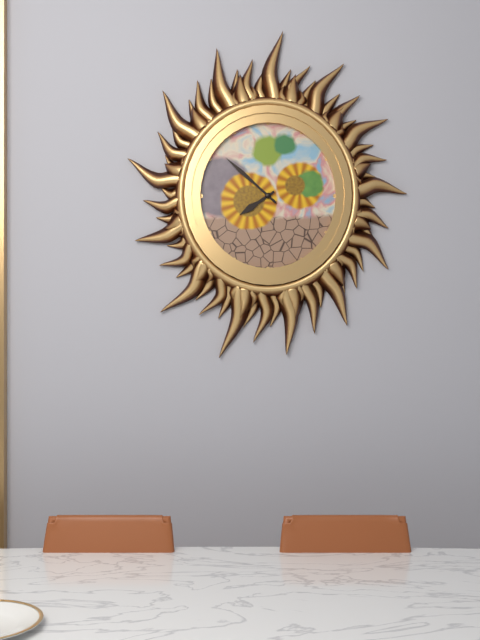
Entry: h=7 m=52
